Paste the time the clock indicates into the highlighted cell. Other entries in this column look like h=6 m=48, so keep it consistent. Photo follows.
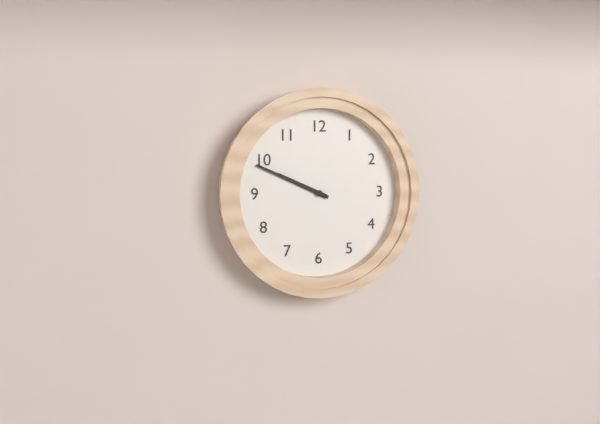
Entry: h=9 m=49
